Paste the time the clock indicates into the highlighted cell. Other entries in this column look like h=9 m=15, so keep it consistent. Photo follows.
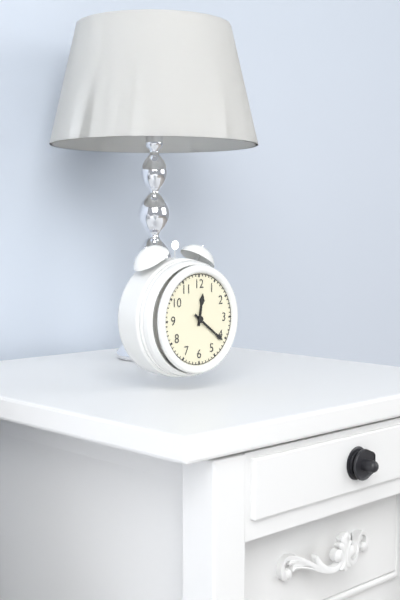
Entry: h=12 m=21
